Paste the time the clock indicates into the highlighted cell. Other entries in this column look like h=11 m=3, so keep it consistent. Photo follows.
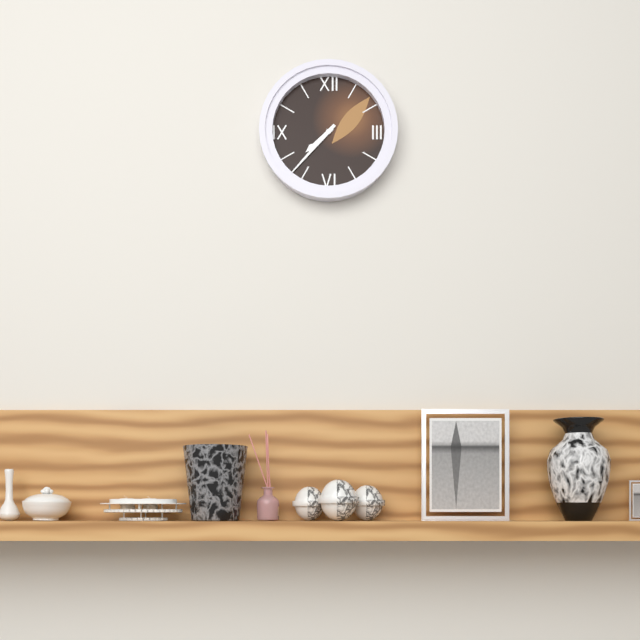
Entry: h=7 m=37
